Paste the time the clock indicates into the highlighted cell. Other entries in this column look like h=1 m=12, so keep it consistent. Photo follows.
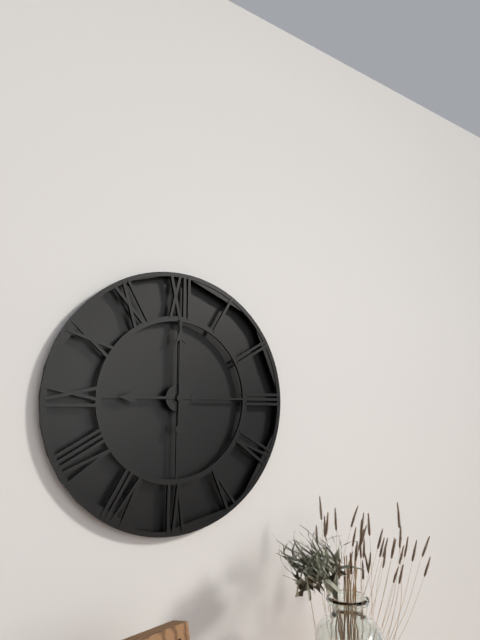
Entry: h=9 m=0
